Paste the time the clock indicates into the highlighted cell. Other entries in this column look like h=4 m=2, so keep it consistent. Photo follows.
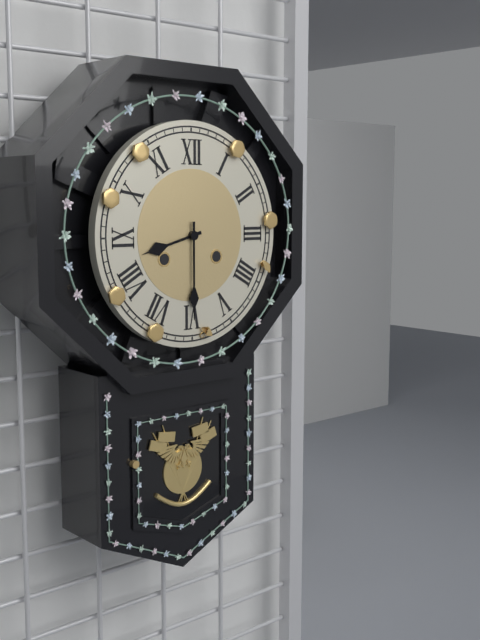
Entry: h=8 m=30
